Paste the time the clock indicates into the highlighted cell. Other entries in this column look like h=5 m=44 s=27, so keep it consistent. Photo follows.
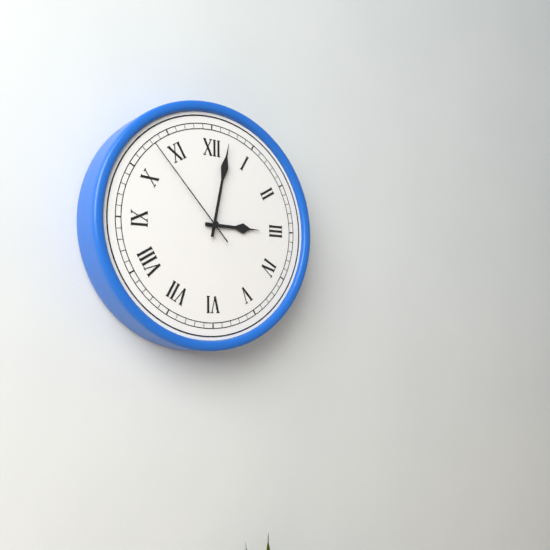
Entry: h=3 m=2 s=53
